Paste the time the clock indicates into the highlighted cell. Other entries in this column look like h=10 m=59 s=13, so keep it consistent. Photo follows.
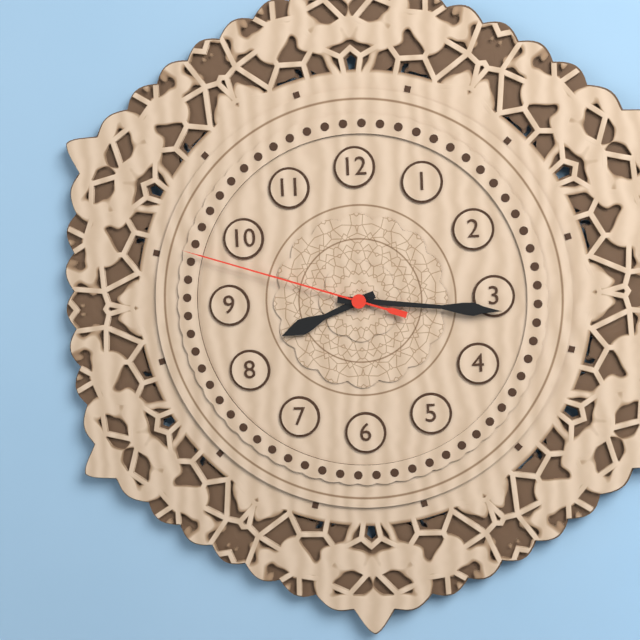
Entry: h=8 m=16 s=48
